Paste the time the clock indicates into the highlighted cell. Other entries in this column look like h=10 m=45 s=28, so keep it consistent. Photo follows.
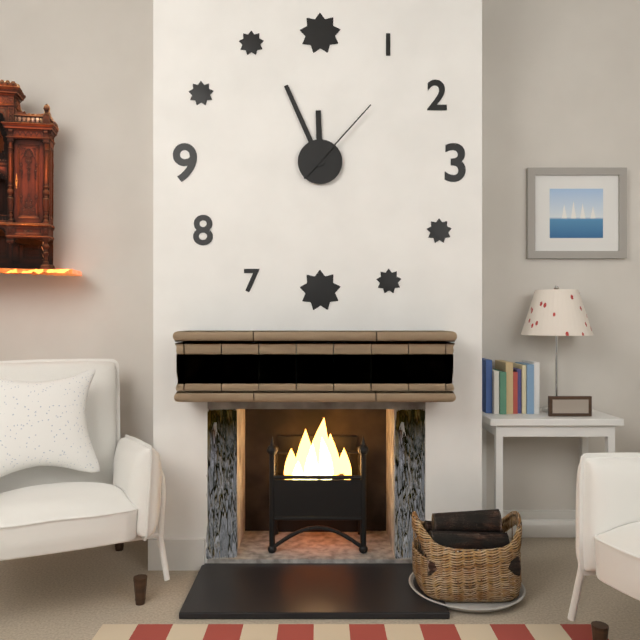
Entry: h=11 m=56 s=7
